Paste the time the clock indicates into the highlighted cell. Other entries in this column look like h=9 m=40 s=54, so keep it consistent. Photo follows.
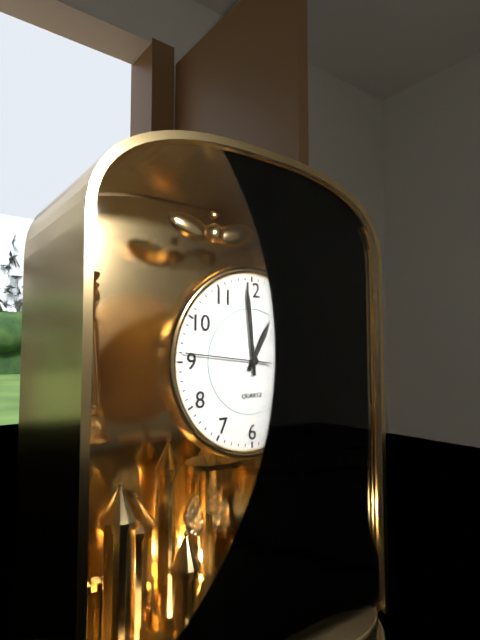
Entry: h=12 m=59 s=46
